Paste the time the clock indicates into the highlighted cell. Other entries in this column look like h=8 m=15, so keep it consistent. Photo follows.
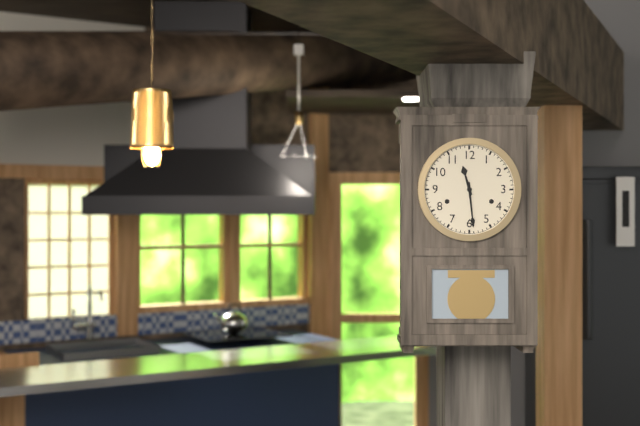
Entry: h=11 m=29
